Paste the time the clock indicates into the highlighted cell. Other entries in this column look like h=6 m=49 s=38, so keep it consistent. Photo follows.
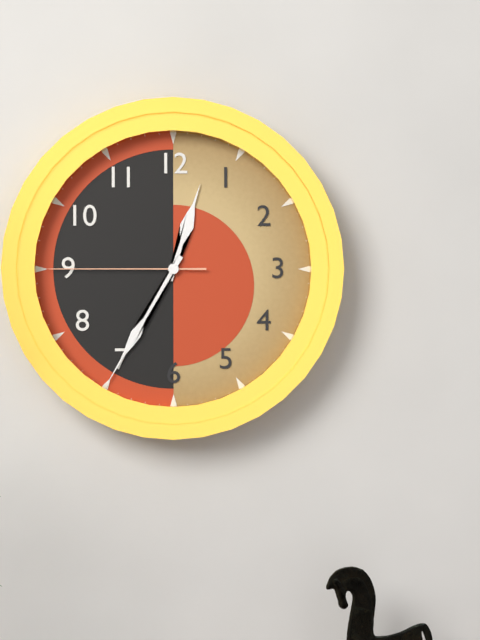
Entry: h=12 m=35 s=45
